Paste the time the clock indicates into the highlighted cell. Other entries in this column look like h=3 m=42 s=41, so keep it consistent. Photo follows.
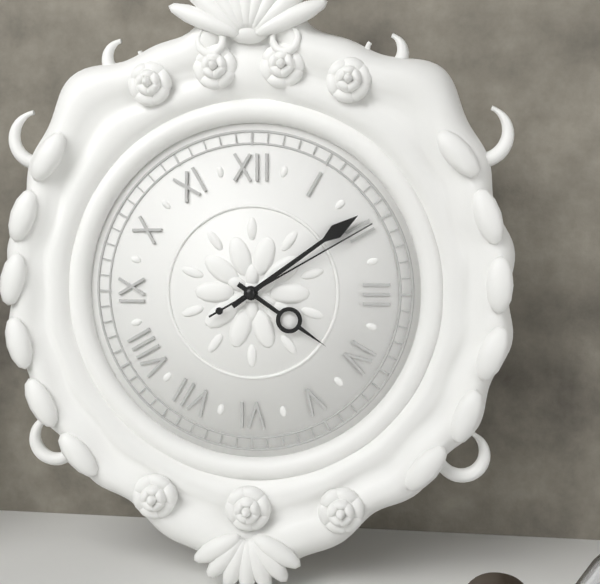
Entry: h=4 m=9 s=10
